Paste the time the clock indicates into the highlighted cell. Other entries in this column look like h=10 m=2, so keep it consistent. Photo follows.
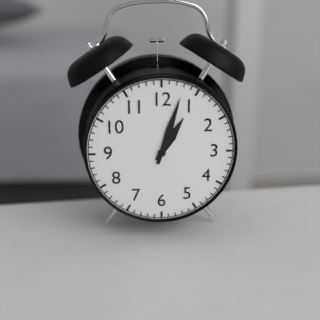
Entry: h=1 m=3
